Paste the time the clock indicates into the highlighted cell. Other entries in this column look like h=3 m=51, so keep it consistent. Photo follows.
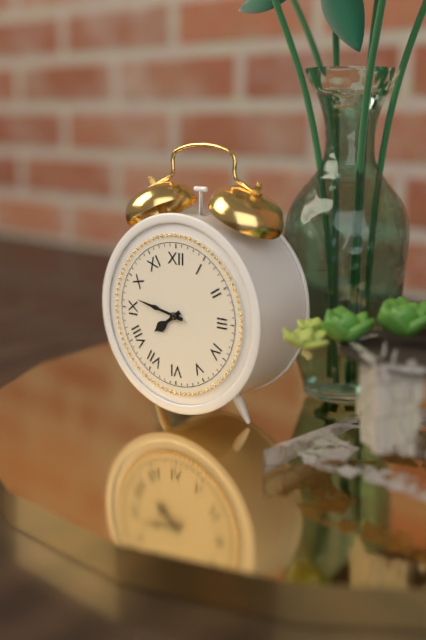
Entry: h=7 m=47
